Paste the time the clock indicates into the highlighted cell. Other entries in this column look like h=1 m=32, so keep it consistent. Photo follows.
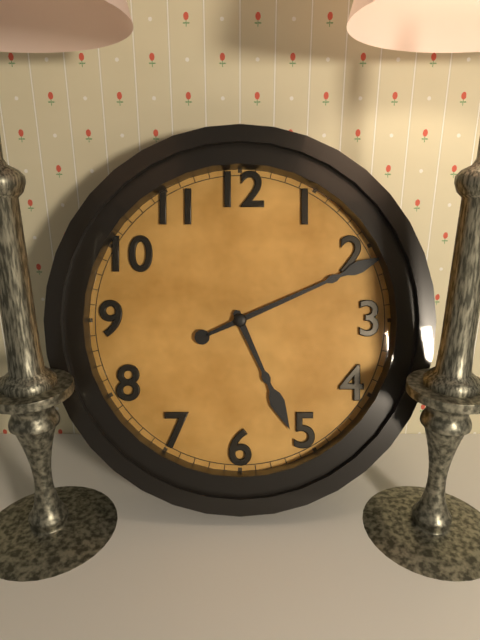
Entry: h=5 m=11
